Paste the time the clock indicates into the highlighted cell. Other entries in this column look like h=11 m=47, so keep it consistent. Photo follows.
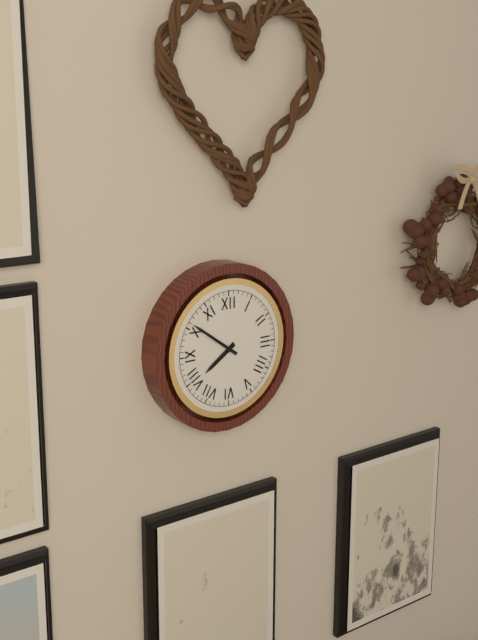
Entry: h=7 m=51
